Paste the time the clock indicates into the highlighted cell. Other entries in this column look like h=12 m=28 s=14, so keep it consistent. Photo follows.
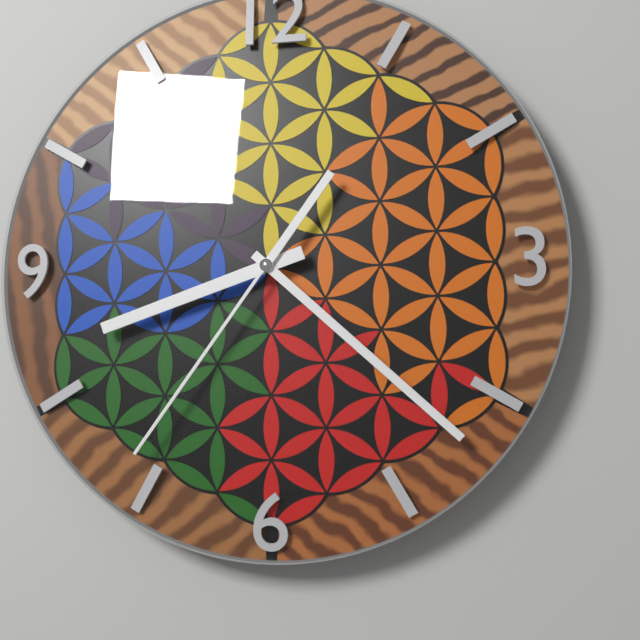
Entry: h=8 m=22 s=36
